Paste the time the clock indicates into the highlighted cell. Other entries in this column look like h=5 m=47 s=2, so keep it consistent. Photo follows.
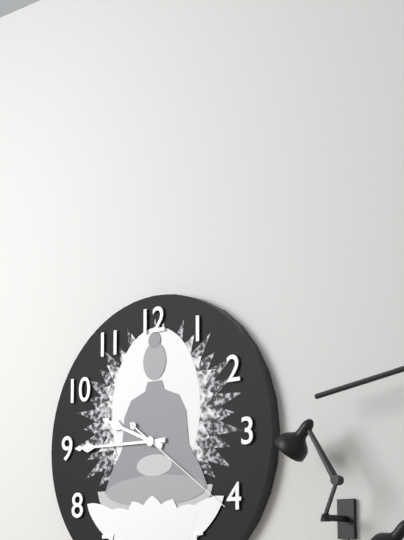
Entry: h=9 m=45 s=21
